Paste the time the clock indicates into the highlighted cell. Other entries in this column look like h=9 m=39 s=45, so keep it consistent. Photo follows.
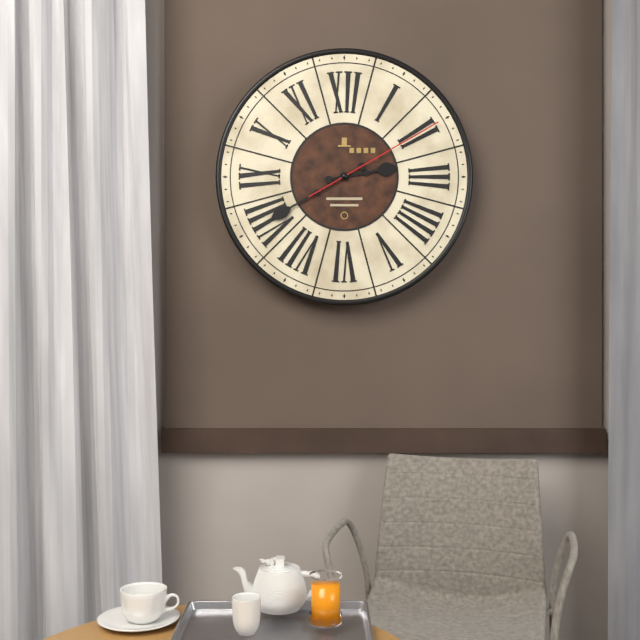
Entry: h=2 m=40 s=10
